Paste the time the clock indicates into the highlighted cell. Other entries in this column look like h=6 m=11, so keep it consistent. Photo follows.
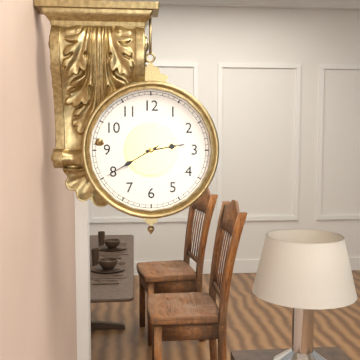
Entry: h=2 m=40
